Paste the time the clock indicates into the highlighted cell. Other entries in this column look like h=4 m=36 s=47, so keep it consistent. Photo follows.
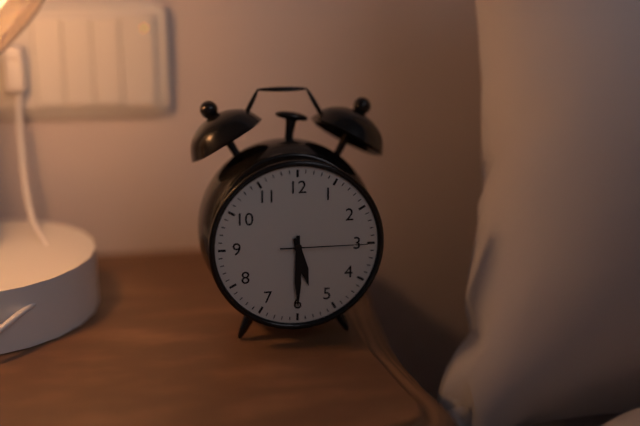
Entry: h=5 m=30 s=15
